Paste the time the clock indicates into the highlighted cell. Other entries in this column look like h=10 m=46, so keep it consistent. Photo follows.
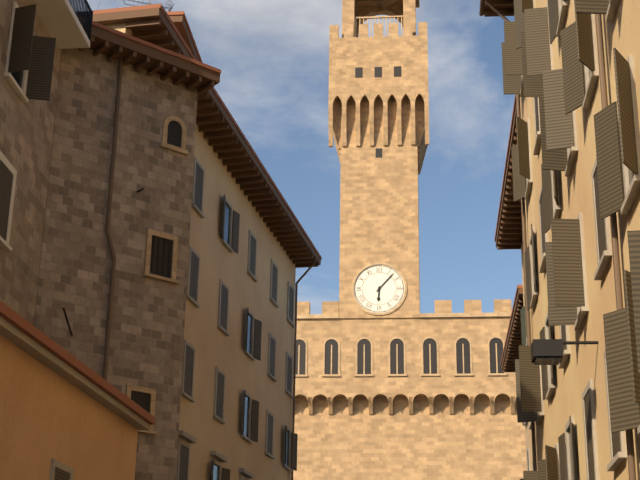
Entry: h=6 m=7
